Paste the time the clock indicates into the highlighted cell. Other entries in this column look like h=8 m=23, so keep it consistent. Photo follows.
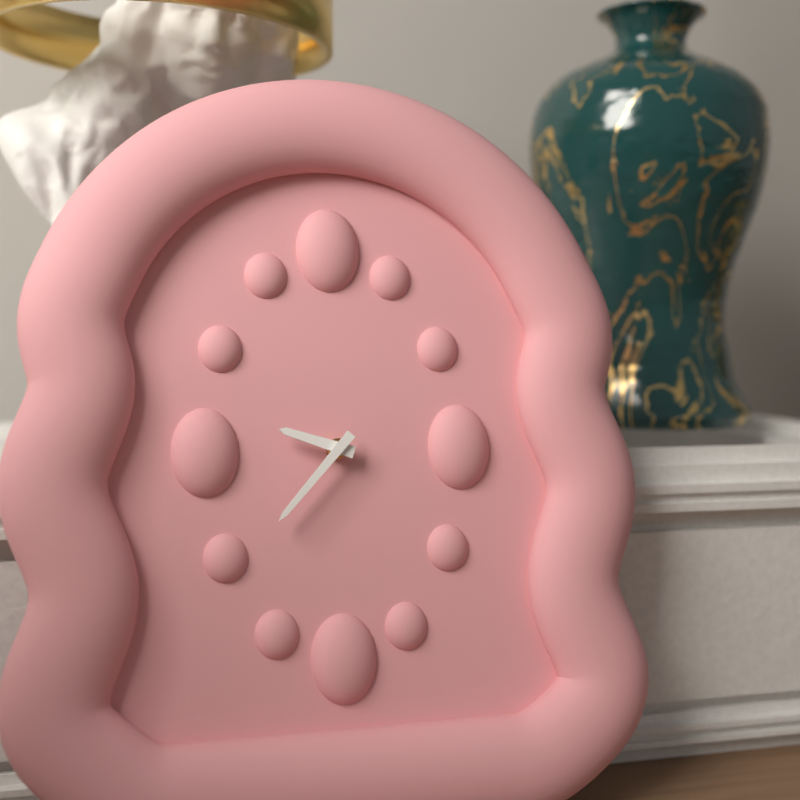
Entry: h=9 m=37
